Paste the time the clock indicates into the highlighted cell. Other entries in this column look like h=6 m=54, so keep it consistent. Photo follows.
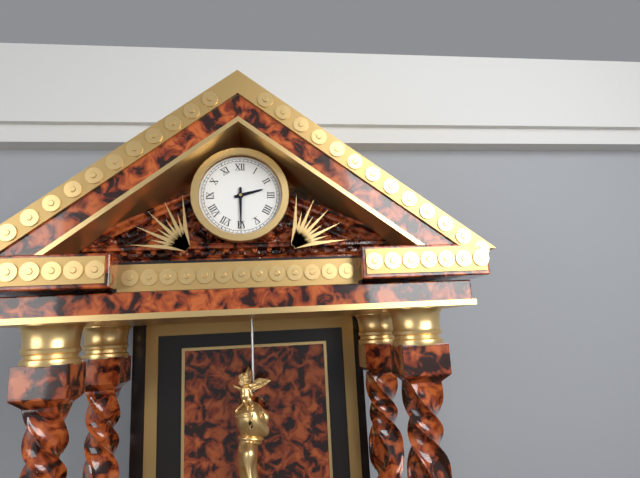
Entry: h=2 m=30
